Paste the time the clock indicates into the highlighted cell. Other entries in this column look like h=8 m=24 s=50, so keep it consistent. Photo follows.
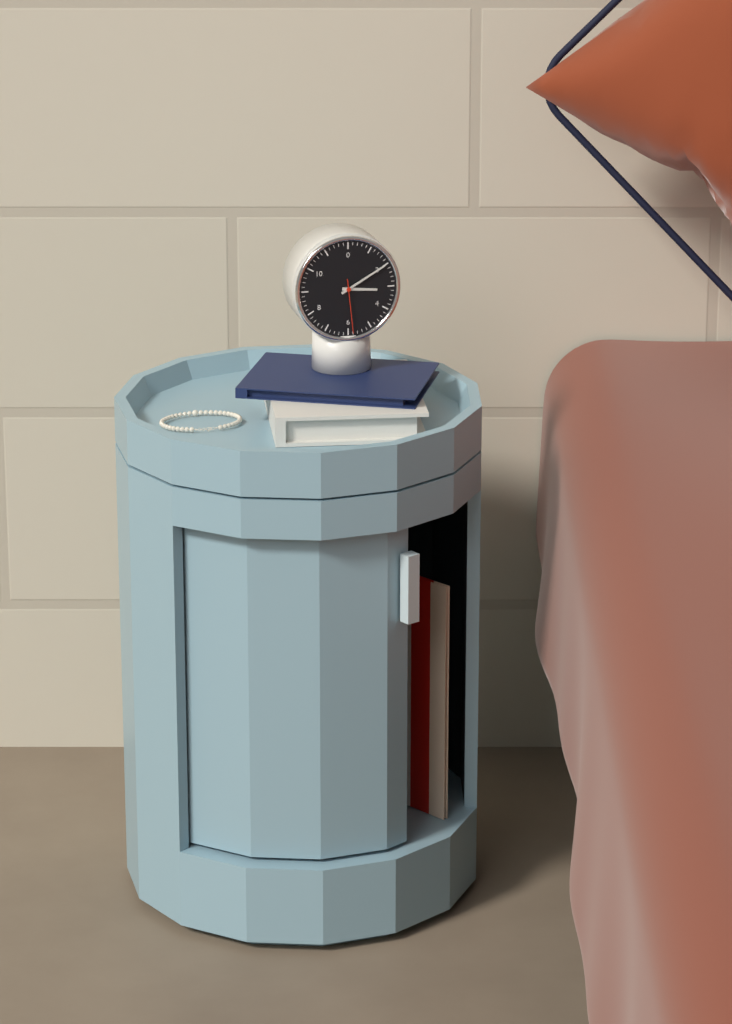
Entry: h=3 m=10 s=29
